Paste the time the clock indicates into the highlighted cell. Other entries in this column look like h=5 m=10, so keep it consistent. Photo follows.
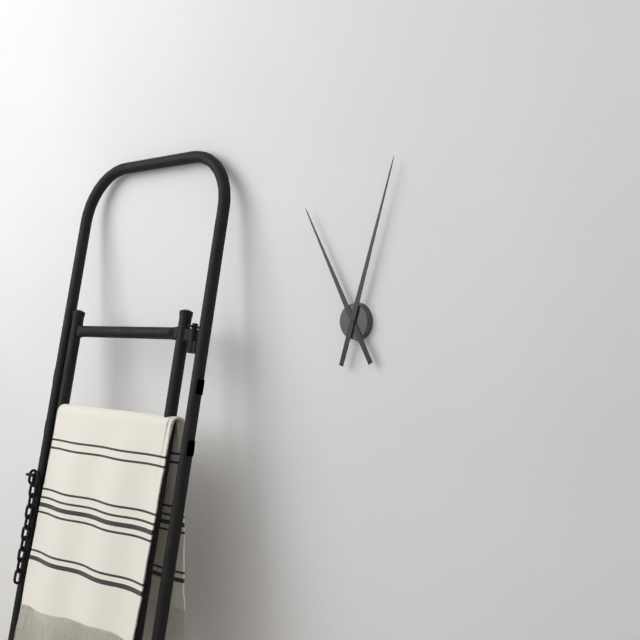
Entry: h=11 m=3
